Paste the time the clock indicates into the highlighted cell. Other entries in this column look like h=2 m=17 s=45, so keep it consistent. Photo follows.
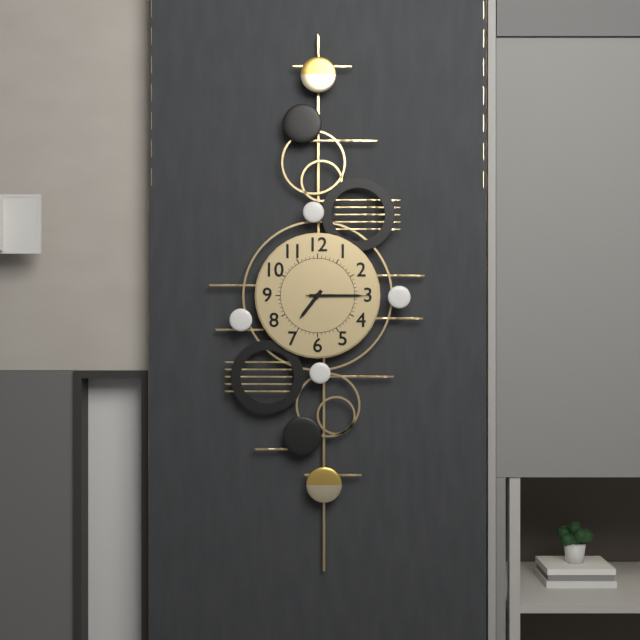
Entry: h=7 m=15 s=15
